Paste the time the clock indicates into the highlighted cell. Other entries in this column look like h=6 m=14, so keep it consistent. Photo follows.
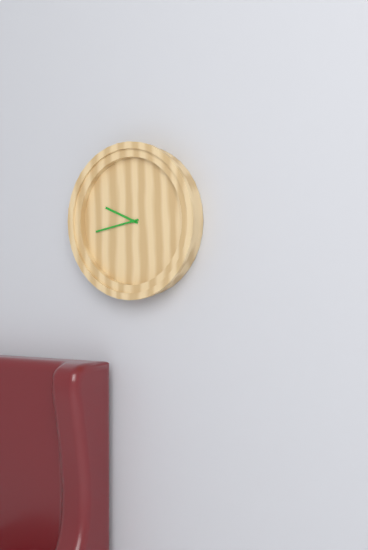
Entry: h=9 m=43
